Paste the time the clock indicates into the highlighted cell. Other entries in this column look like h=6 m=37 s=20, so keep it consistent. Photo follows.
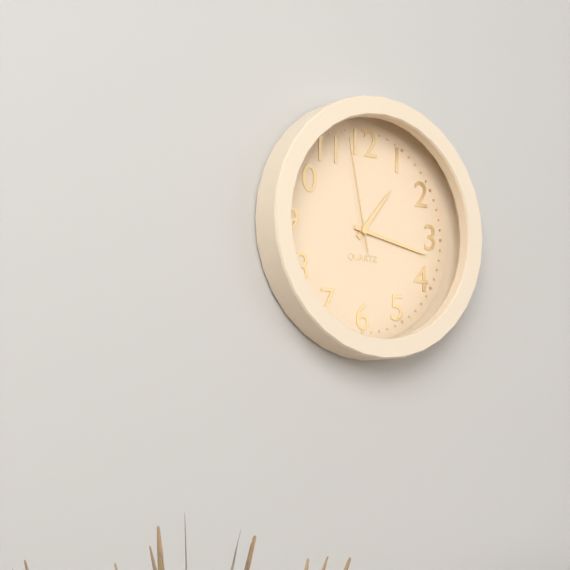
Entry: h=1 m=17 s=58
